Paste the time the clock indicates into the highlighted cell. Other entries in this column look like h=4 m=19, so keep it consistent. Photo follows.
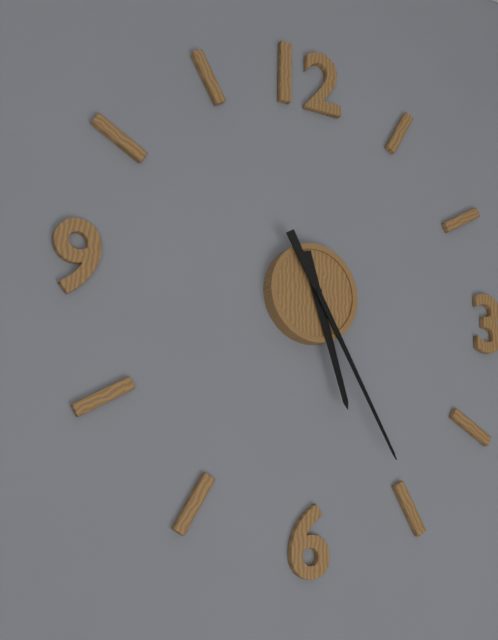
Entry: h=5 m=25
